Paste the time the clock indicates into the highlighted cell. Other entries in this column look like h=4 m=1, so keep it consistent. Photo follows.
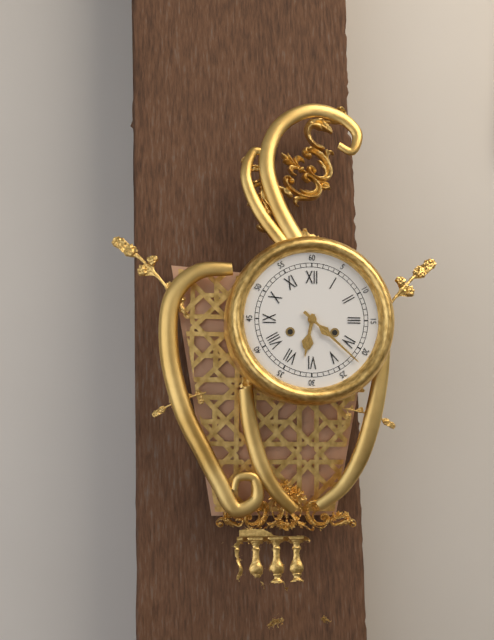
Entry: h=6 m=22
